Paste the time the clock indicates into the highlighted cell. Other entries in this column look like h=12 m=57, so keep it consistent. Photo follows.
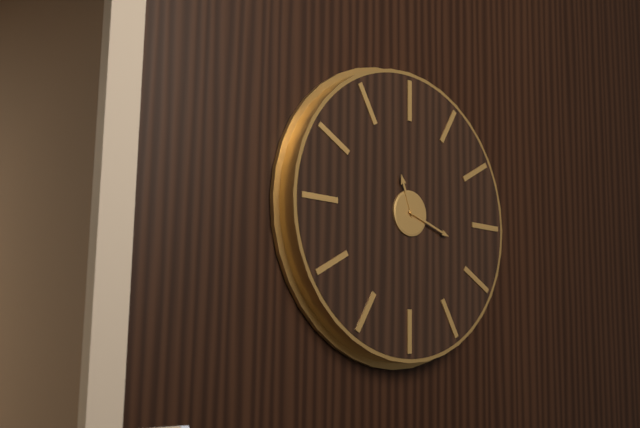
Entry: h=11 m=18
